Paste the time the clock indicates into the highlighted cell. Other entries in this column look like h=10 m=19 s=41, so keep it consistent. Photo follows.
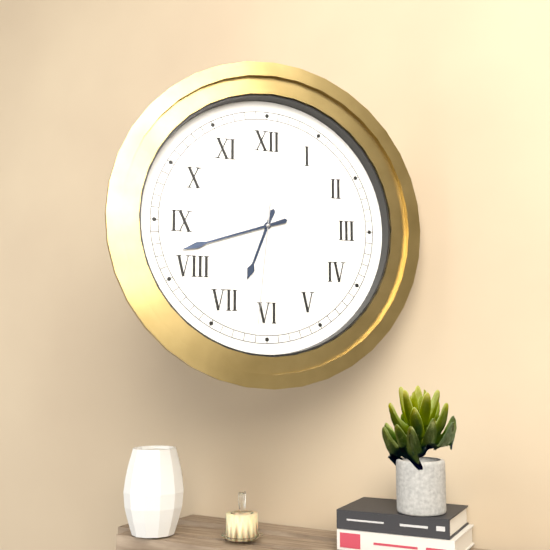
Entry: h=6 m=42 s=31
